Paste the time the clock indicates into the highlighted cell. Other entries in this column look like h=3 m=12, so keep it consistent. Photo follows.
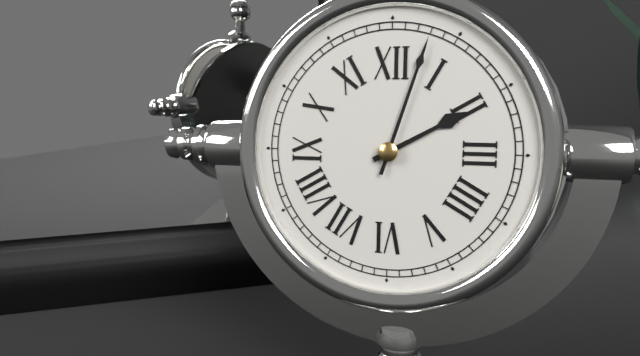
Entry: h=2 m=3
